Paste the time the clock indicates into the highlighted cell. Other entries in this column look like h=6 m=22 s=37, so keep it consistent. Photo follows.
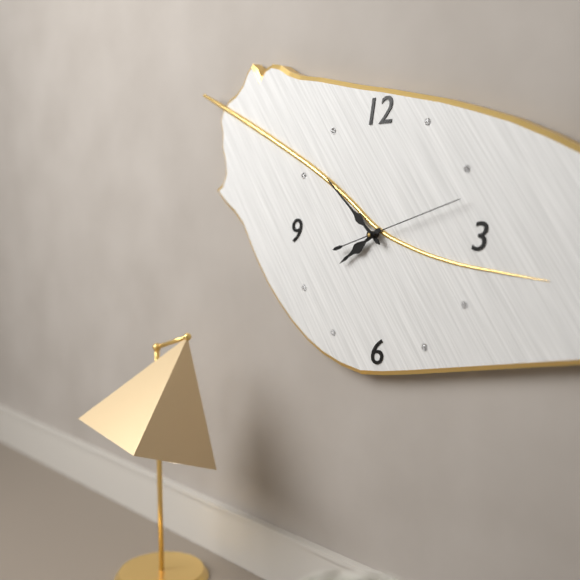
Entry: h=7 m=52 s=12
